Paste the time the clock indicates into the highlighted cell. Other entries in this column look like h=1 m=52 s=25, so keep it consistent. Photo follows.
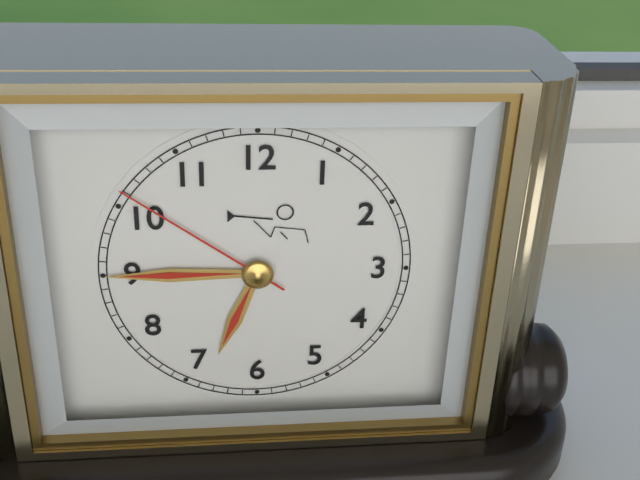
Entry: h=6 m=45 s=51
